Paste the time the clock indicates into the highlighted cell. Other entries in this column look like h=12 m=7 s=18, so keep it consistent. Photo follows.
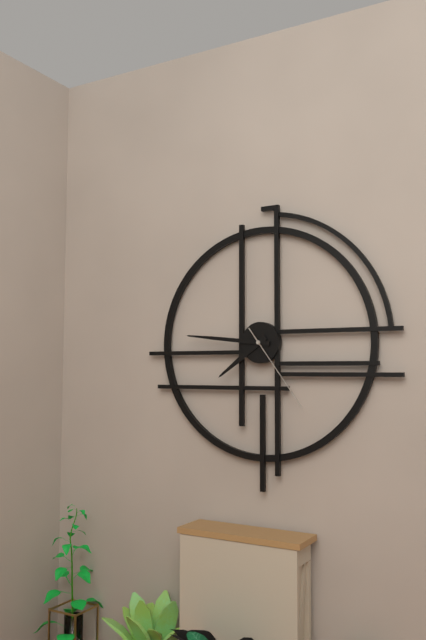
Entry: h=7 m=46 s=24
